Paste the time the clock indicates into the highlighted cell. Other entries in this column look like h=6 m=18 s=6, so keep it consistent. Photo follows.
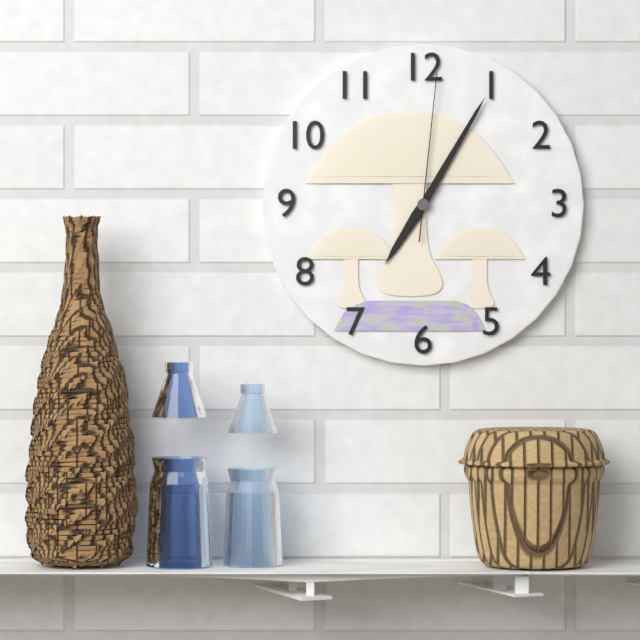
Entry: h=7 m=5 s=1
